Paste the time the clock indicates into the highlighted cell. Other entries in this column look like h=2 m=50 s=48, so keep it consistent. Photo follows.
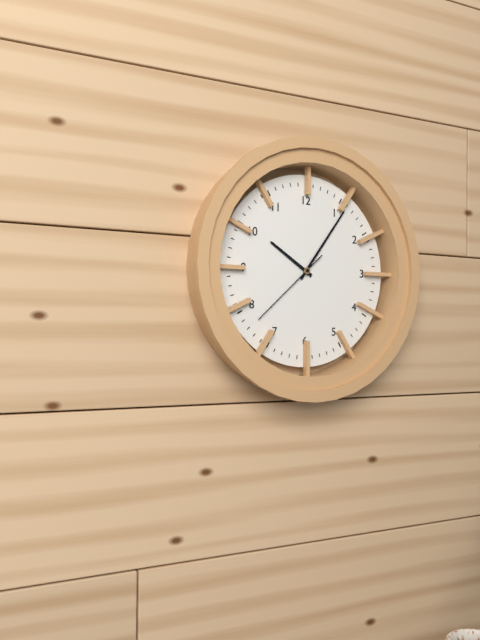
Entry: h=10 m=6 s=38
